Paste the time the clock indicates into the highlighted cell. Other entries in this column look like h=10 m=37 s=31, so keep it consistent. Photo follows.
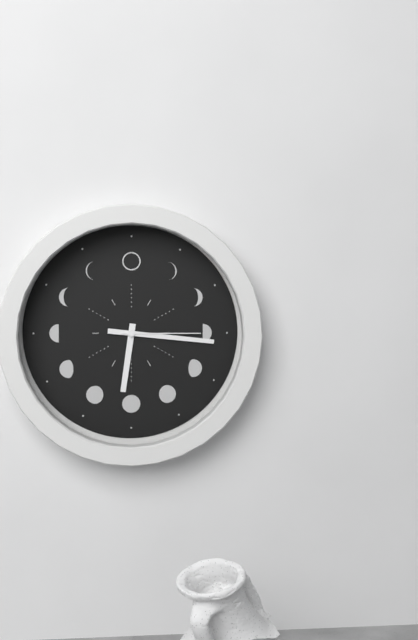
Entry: h=6 m=16 s=15
